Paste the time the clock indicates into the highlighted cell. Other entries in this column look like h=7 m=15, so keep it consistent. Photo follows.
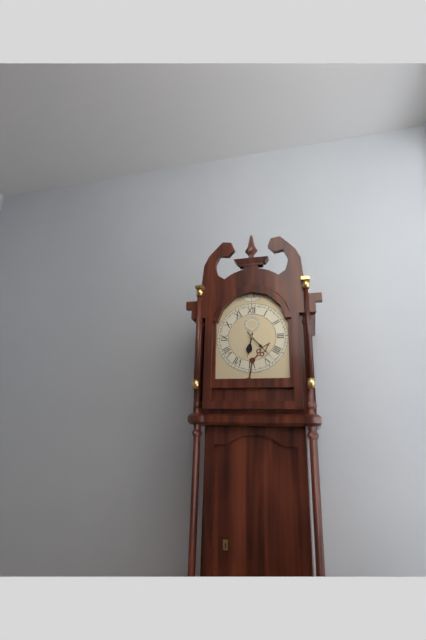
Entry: h=6 m=23
